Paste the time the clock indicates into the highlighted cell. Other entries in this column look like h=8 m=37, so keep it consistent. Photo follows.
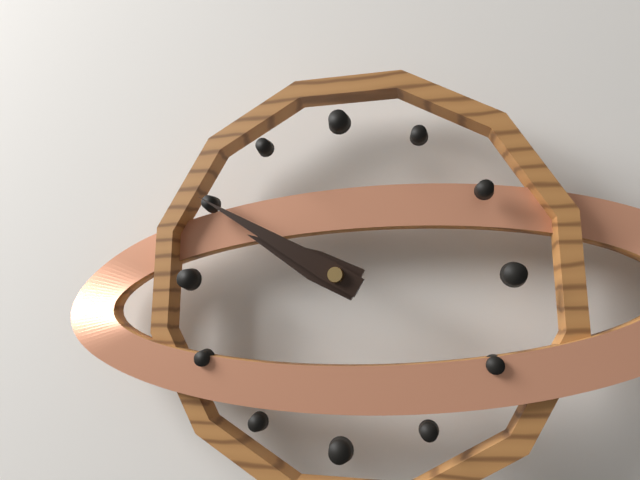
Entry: h=9 m=50
